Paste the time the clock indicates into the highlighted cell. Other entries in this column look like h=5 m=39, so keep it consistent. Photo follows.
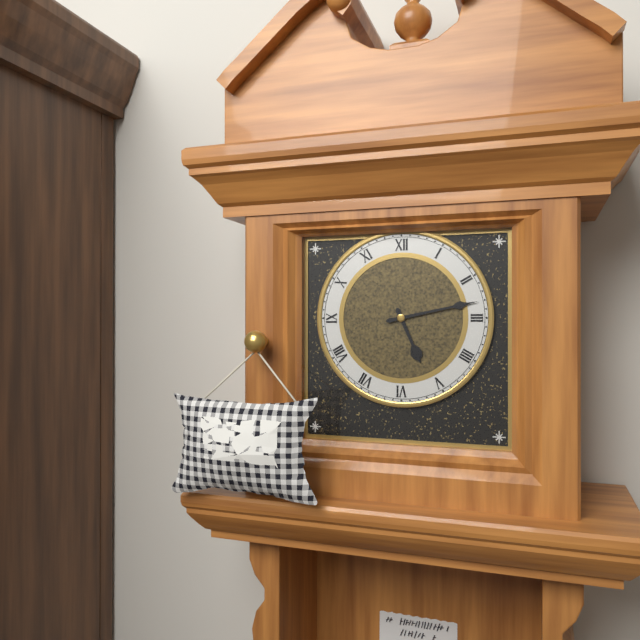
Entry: h=5 m=13
